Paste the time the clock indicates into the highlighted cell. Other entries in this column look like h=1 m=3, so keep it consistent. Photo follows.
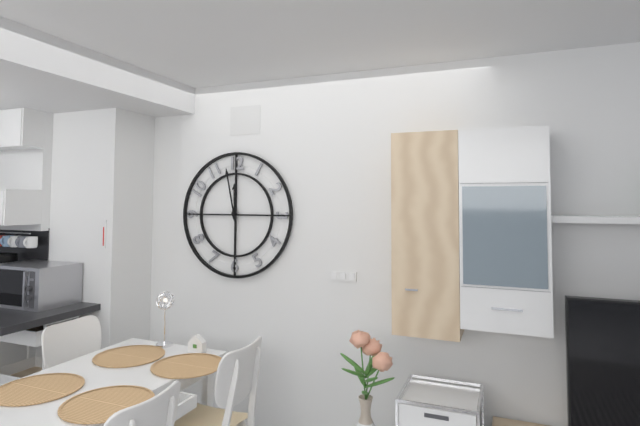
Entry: h=11 m=58
